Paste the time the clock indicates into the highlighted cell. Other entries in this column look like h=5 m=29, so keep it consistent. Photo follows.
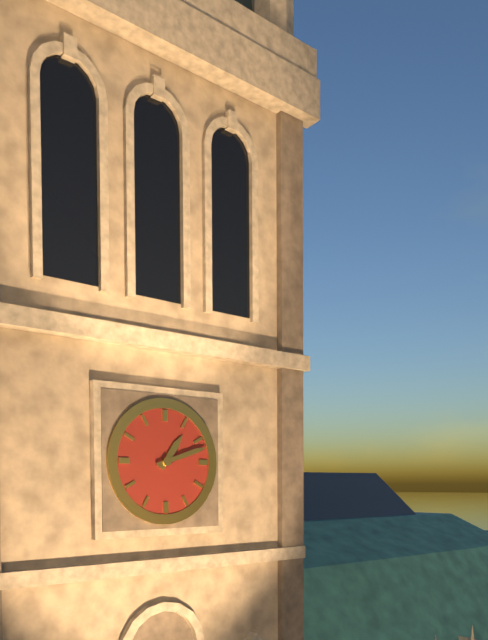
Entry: h=1 m=12
